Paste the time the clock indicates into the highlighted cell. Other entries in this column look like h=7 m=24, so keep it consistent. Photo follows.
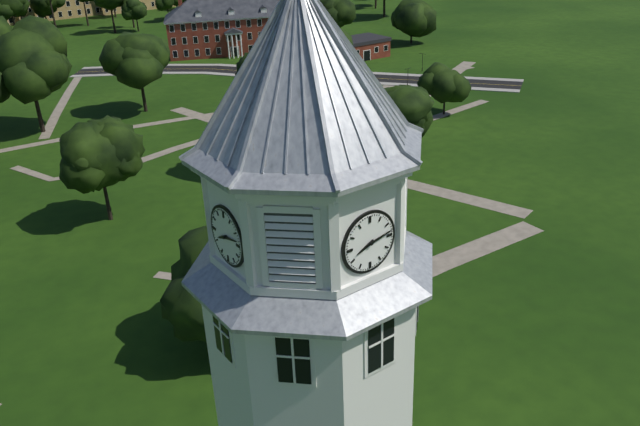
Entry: h=8 m=13
